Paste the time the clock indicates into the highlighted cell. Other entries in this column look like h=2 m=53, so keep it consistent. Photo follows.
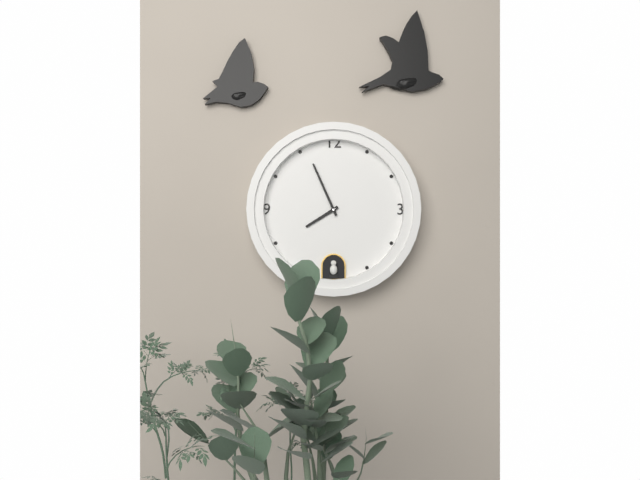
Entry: h=7 m=56
